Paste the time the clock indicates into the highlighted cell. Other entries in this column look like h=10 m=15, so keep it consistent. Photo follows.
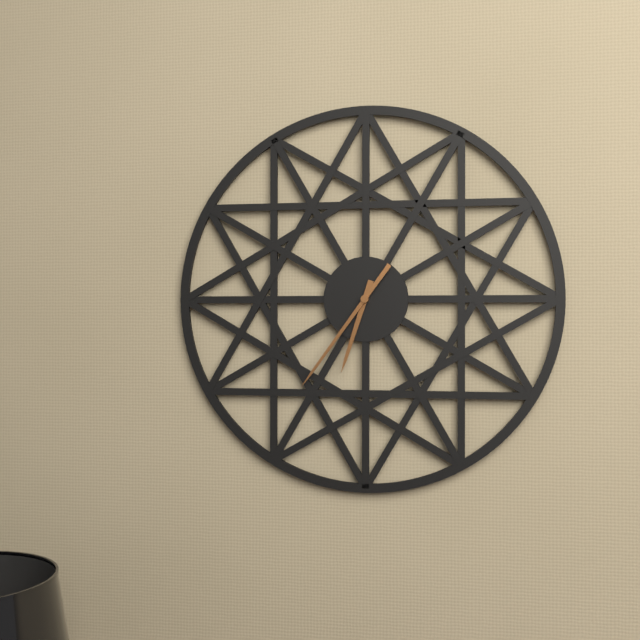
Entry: h=6 m=36
